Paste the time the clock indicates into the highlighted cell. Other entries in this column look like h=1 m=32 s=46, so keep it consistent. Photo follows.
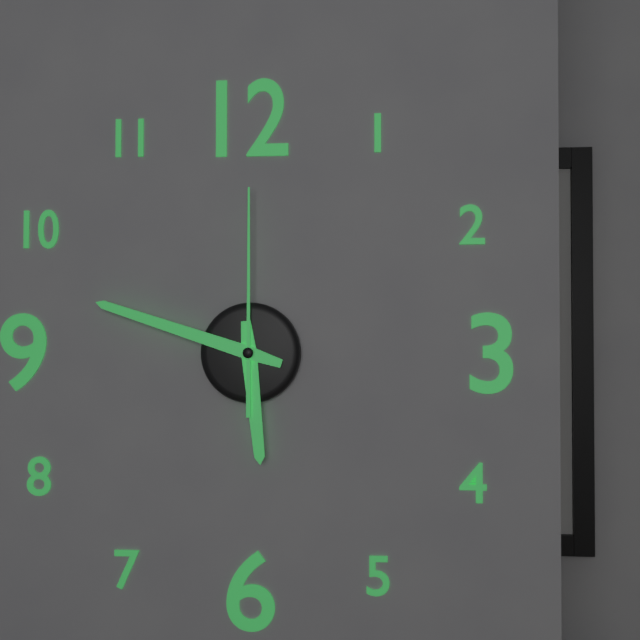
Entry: h=5 m=48 s=0
